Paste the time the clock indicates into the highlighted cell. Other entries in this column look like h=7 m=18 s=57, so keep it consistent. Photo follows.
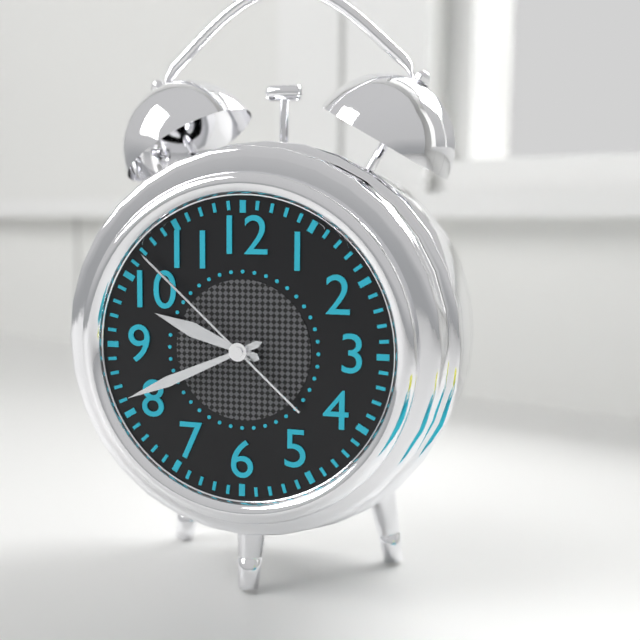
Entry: h=9 m=41 s=52
